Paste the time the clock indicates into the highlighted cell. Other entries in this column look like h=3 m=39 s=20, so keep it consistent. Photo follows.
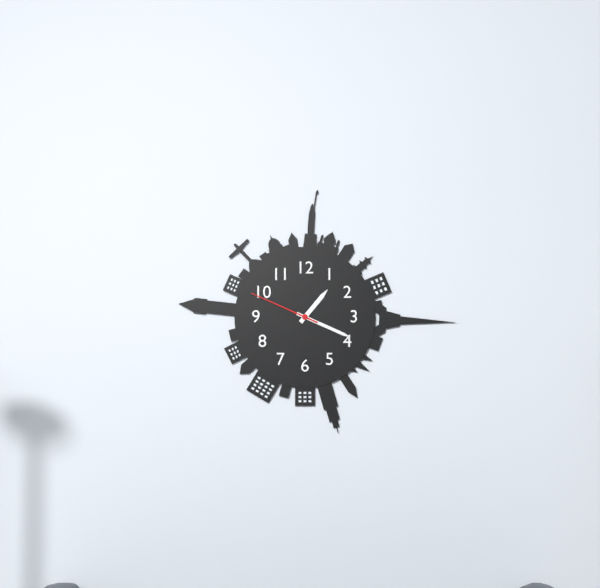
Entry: h=1 m=19 s=49
